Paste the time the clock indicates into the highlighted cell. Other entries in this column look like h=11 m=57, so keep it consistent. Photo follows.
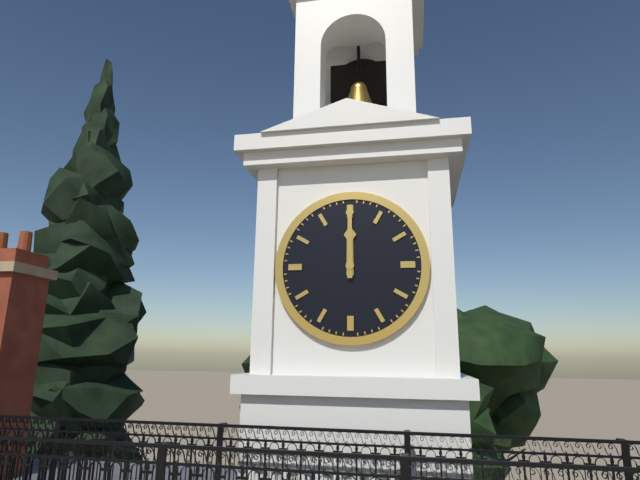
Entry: h=12 m=0
